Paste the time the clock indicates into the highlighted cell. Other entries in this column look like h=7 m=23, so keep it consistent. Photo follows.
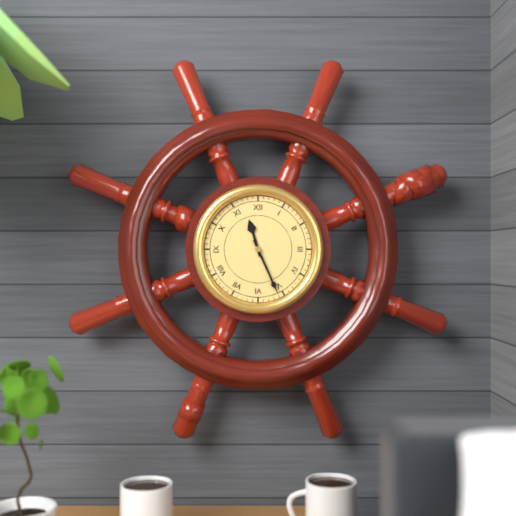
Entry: h=11 m=26
